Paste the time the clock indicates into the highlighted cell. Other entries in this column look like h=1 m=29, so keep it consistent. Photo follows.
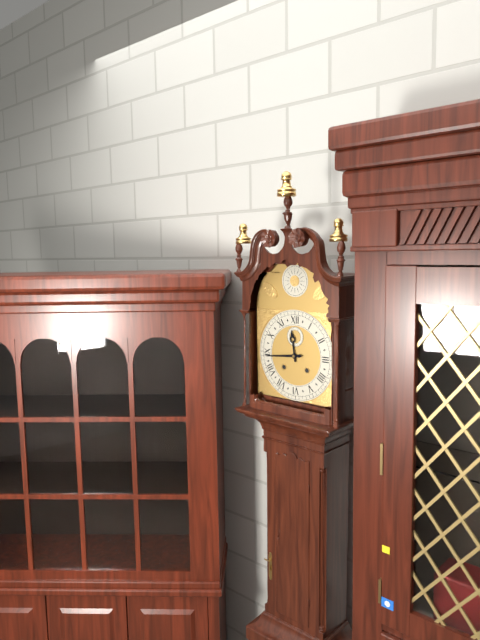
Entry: h=11 m=44
